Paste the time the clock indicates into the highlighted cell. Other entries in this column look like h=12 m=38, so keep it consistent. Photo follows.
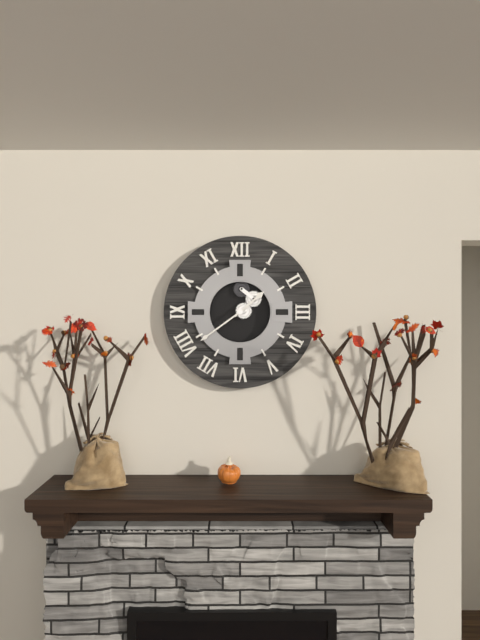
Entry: h=1 m=39
